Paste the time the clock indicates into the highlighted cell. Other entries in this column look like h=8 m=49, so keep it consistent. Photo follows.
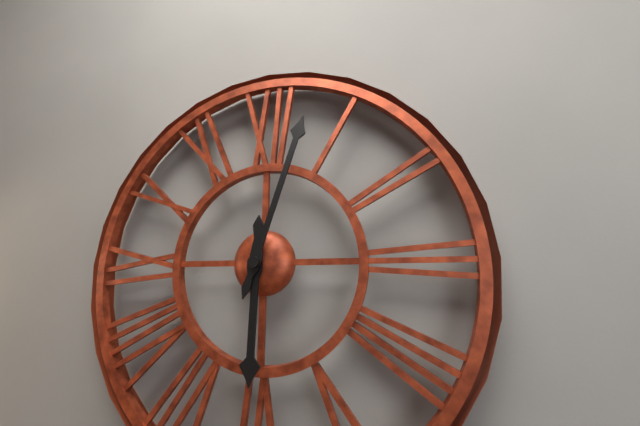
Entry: h=6 m=3
